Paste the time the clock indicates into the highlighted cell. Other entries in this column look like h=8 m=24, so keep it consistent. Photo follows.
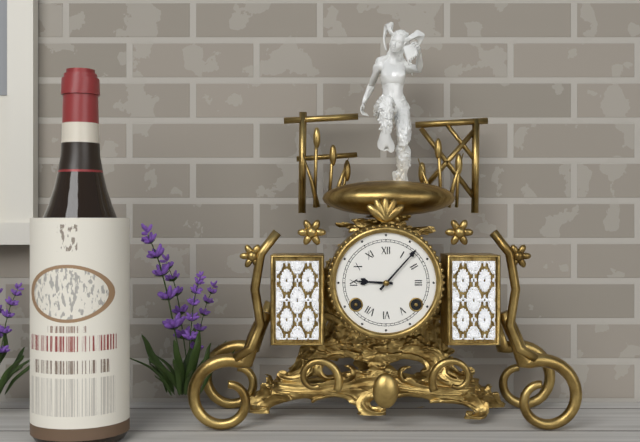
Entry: h=9 m=7
